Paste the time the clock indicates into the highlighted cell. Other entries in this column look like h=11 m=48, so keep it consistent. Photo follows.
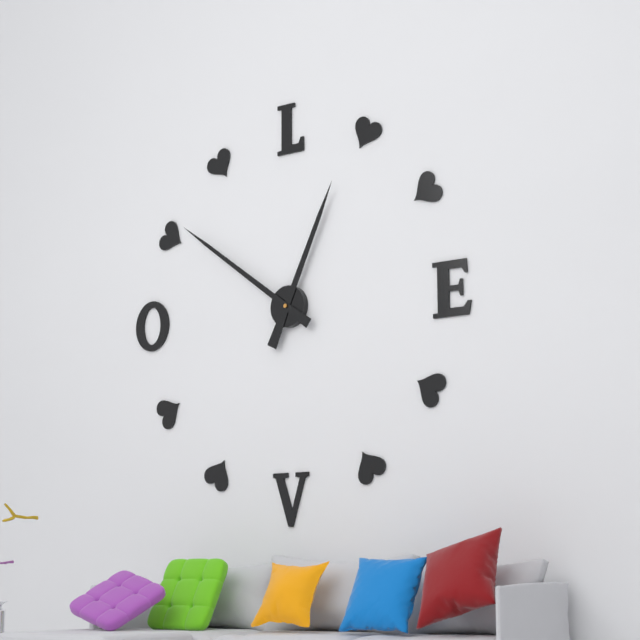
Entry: h=12 m=51
